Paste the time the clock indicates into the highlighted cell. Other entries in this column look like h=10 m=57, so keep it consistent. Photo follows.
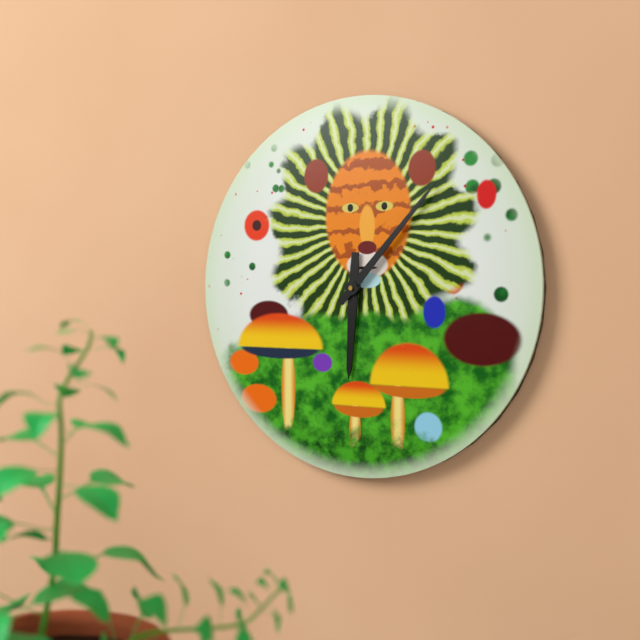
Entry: h=6 m=7
